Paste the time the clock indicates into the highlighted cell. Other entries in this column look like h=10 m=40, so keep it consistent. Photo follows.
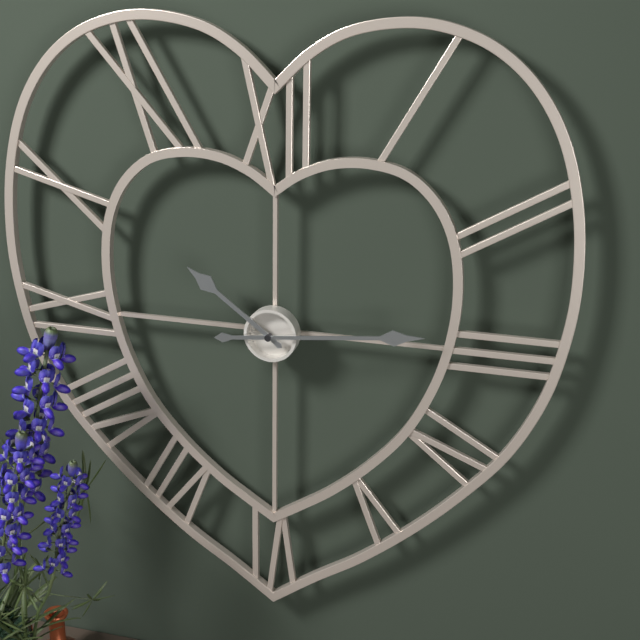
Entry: h=10 m=14
